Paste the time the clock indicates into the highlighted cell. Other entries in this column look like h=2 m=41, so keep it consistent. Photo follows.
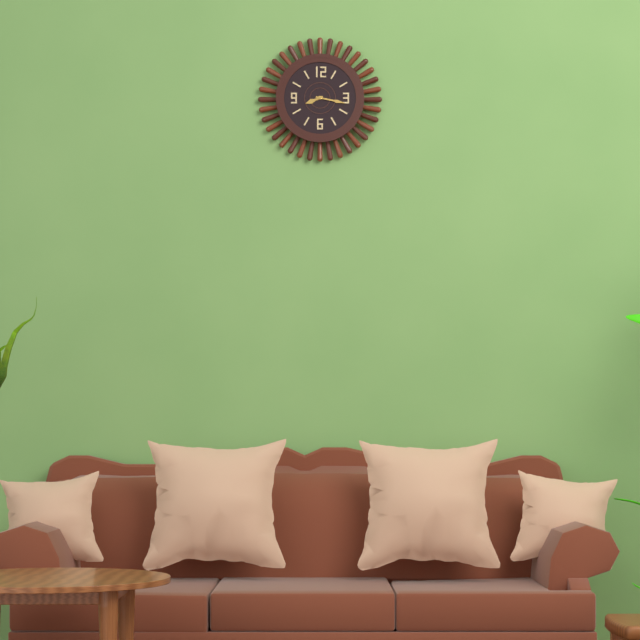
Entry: h=8 m=17
